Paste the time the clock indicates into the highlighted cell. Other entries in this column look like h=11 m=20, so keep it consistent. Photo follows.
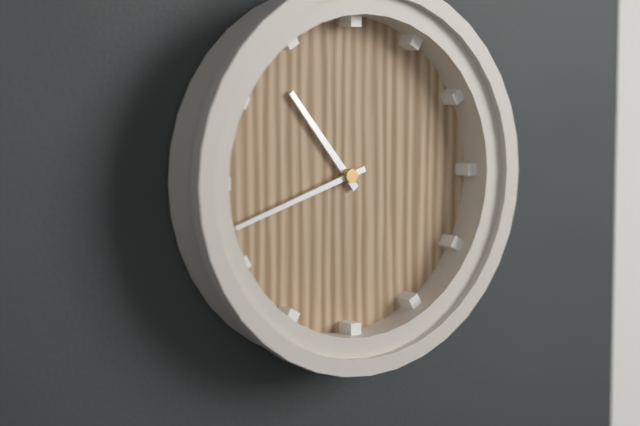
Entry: h=10 m=42
